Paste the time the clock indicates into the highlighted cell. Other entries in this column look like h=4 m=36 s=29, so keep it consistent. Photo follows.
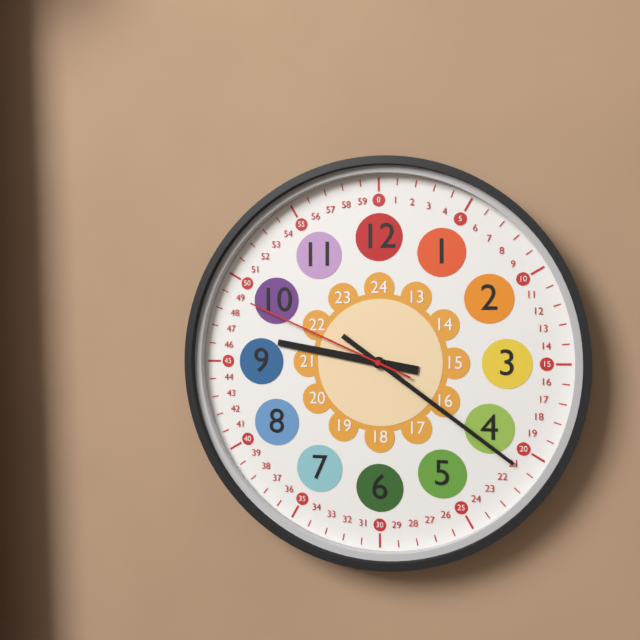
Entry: h=9 m=21 s=49
